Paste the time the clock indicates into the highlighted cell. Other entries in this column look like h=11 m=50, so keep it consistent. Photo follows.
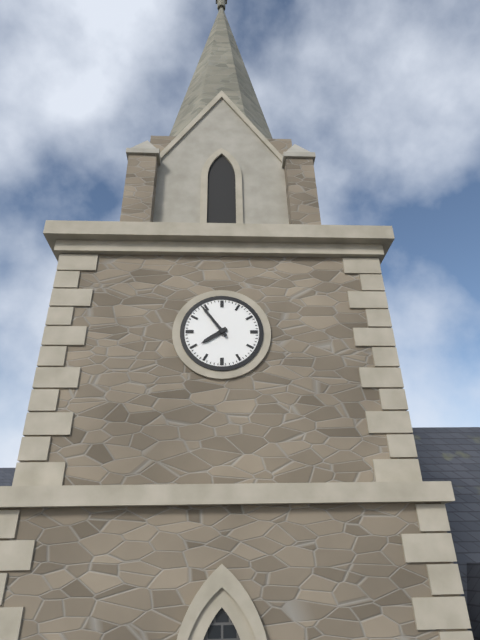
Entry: h=7 m=54
